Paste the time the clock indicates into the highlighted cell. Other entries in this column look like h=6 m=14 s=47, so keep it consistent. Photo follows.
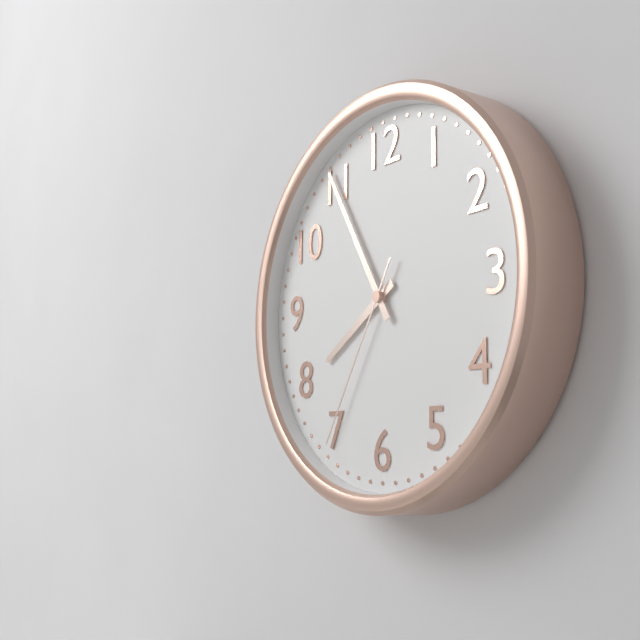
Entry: h=7 m=55 s=35
